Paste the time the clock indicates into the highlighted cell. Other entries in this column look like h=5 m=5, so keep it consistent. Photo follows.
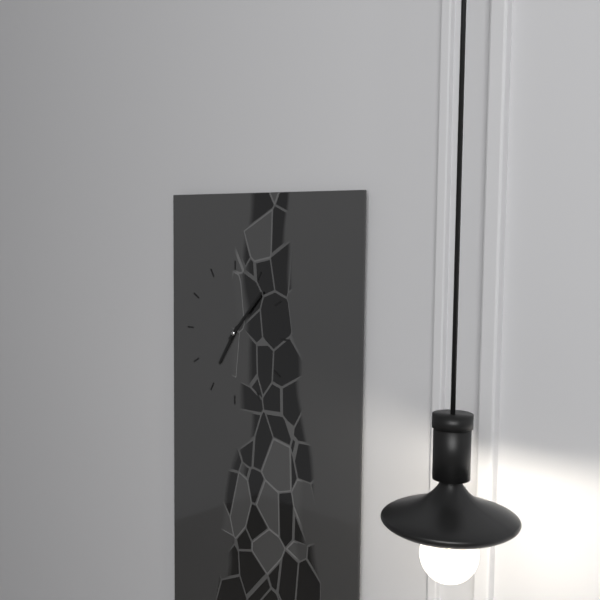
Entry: h=7 m=7
